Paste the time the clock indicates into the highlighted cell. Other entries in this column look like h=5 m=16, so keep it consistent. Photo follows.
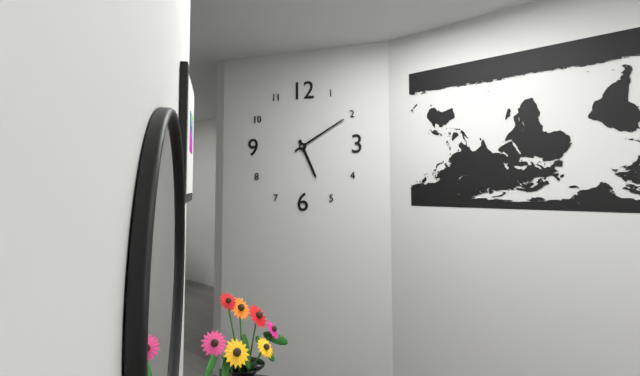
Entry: h=5 m=10
